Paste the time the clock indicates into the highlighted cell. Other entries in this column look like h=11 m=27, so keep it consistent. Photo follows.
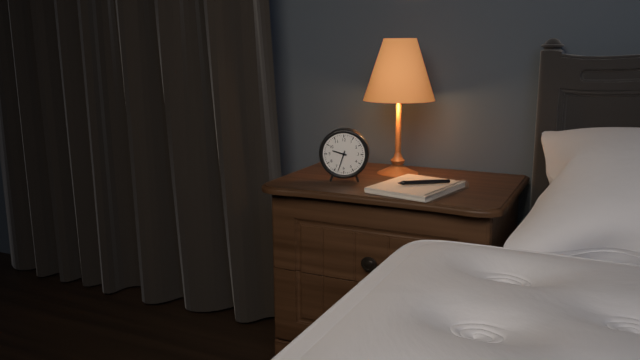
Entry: h=9 m=33
